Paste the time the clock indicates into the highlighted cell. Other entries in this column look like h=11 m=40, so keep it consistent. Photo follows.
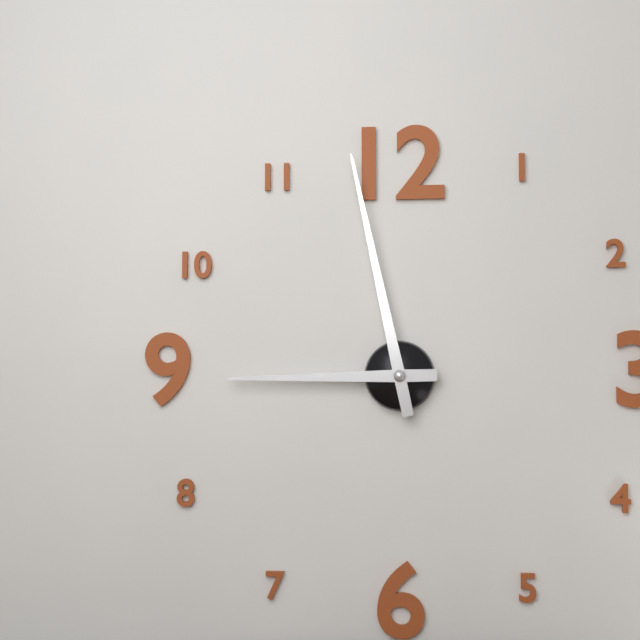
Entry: h=8 m=58
